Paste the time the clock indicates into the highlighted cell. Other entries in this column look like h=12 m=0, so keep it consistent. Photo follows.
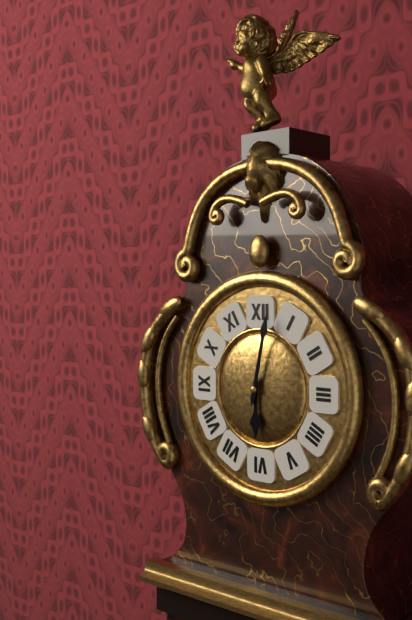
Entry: h=6 m=2
